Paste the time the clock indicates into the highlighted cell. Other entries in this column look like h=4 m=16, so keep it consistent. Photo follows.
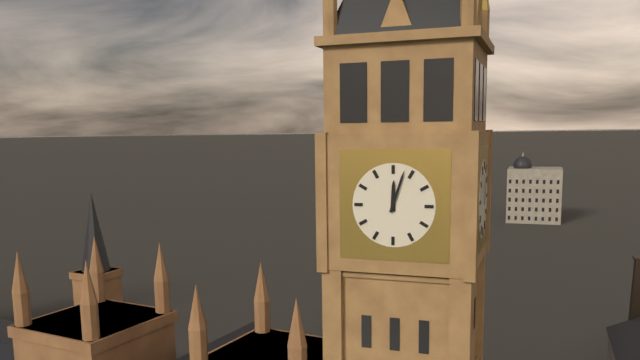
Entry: h=12 m=3
